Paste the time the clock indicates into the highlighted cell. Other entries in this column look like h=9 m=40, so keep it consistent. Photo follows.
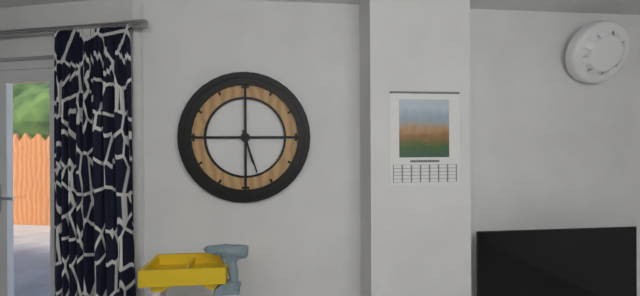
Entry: h=5 m=27
